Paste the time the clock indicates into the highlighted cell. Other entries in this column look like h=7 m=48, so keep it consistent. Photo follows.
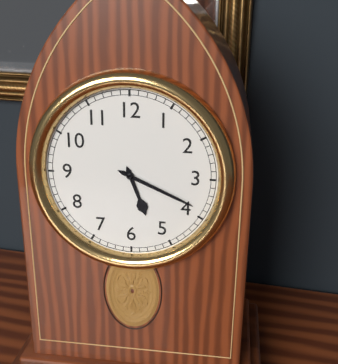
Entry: h=5 m=19
